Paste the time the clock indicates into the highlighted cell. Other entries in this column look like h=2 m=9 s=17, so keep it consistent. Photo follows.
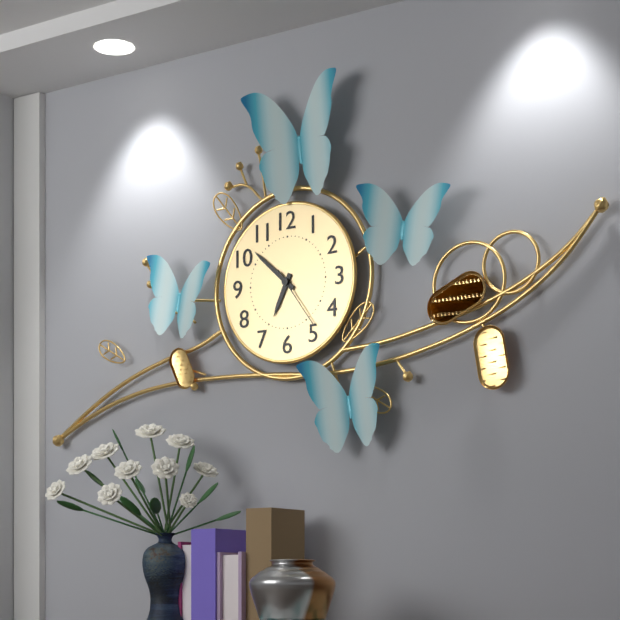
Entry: h=6 m=52 s=24
